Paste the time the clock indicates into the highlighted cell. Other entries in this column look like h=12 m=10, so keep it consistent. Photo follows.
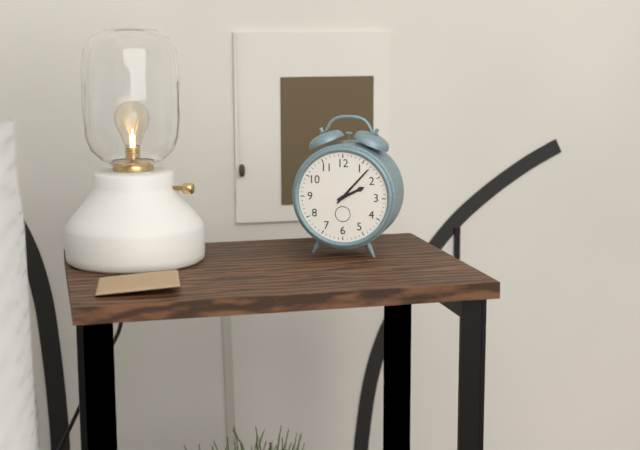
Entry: h=2 m=7
